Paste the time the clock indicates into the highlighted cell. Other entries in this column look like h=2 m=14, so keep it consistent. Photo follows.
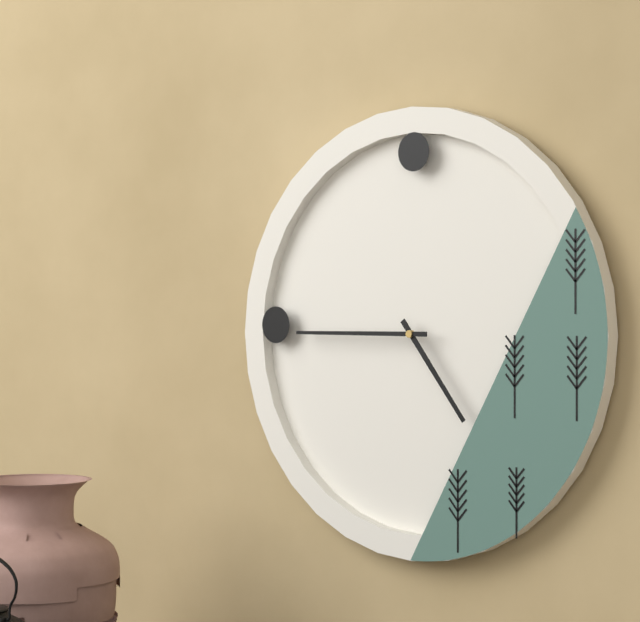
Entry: h=4 m=45
